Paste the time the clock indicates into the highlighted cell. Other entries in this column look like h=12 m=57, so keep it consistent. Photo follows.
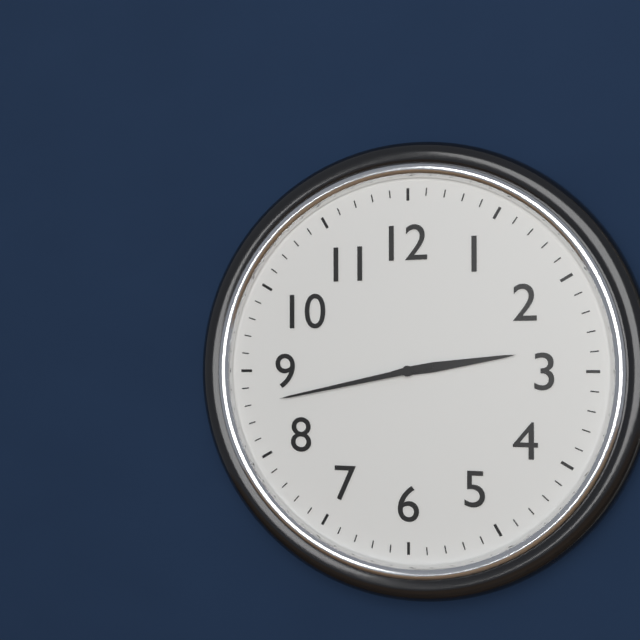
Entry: h=2 m=43
